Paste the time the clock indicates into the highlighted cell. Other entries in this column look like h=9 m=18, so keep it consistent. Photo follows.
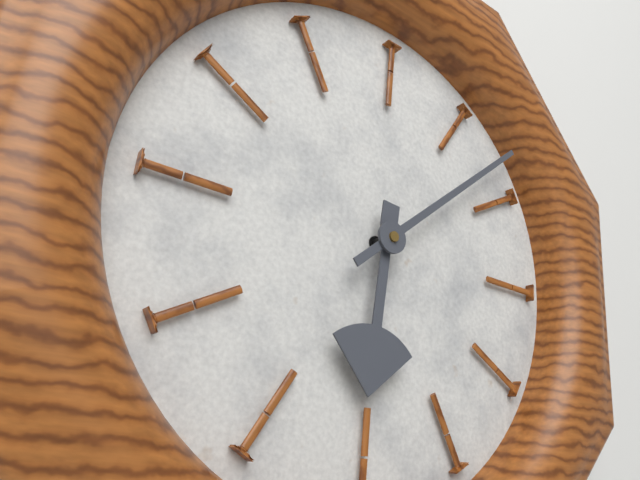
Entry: h=6 m=8
